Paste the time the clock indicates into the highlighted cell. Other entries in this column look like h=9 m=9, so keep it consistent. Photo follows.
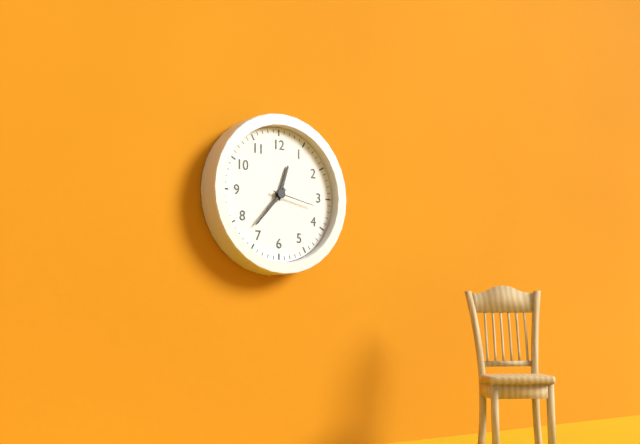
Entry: h=12 m=37
